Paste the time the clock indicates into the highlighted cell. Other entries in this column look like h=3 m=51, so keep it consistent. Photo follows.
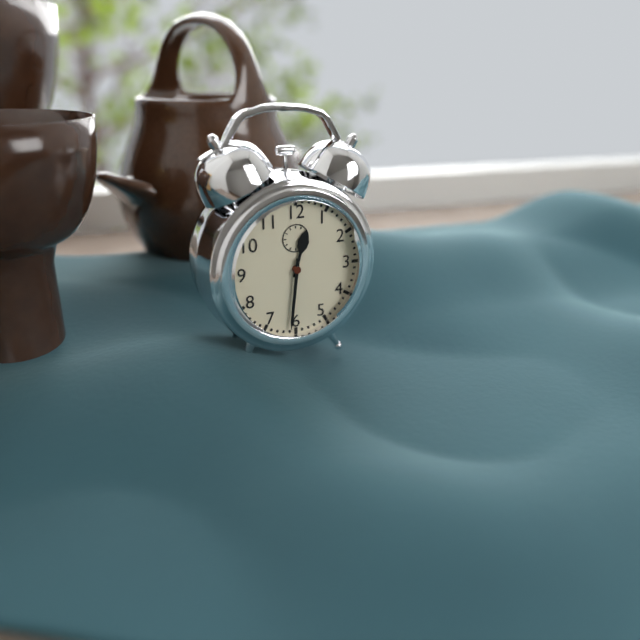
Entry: h=12 m=31
